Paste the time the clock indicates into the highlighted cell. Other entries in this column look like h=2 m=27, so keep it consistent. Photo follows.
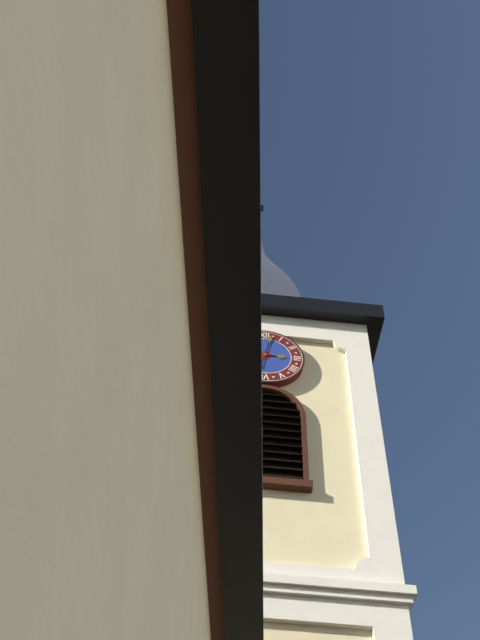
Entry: h=3 m=2
